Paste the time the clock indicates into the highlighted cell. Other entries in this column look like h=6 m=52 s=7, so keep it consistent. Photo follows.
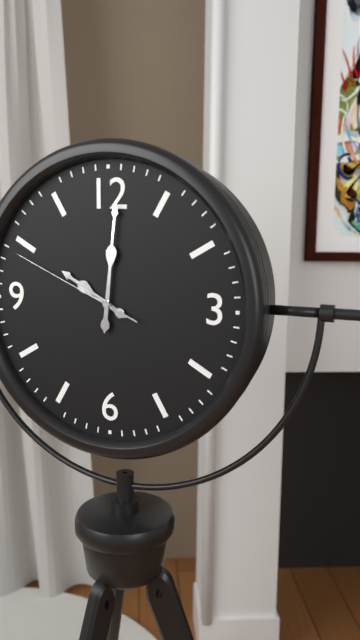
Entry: h=10 m=1 s=49
